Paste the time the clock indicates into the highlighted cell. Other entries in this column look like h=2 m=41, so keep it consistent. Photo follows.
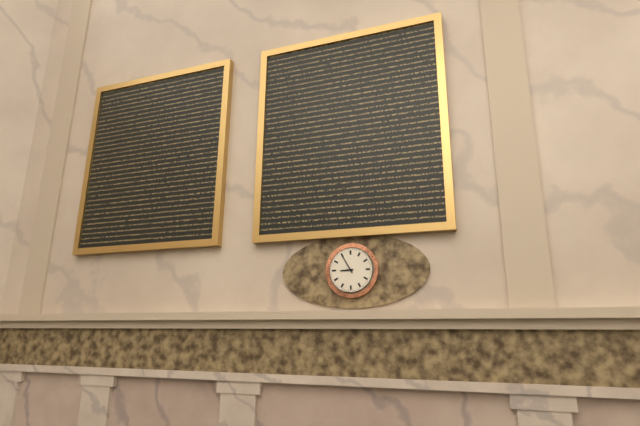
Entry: h=8 m=55
